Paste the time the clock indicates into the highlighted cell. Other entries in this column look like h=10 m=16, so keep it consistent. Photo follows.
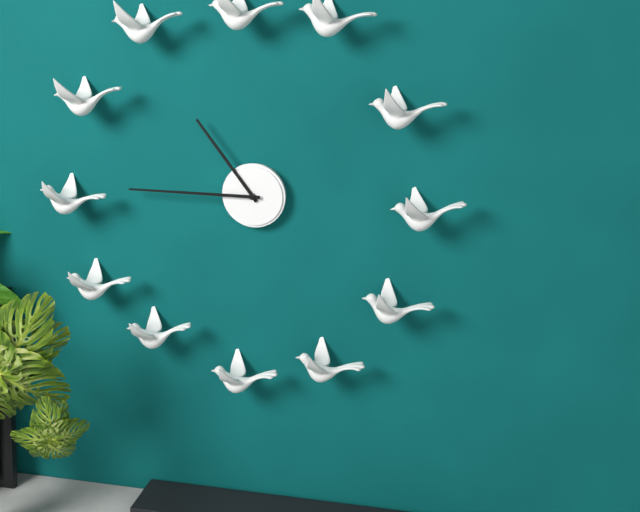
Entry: h=10 m=45
